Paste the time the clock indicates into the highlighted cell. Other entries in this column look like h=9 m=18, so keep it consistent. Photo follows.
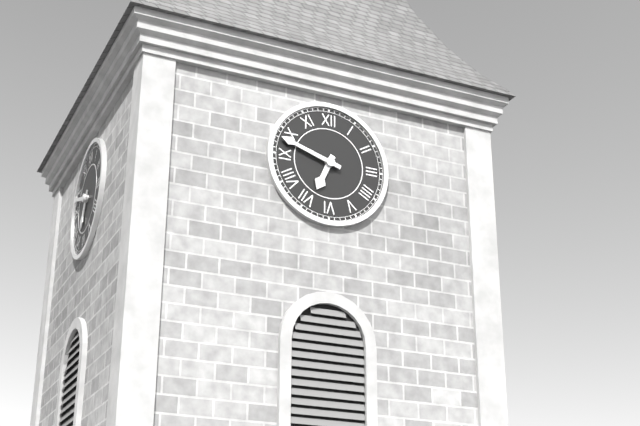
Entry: h=6 m=48
